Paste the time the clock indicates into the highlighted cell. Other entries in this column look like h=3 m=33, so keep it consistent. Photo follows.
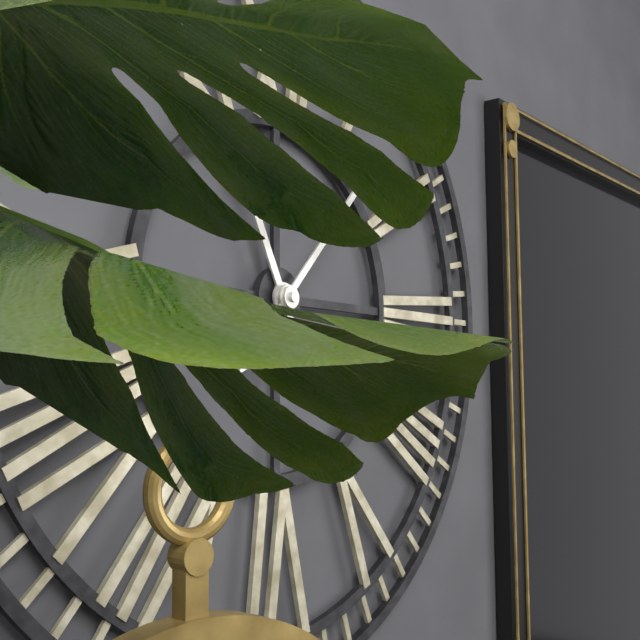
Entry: h=11 m=7
